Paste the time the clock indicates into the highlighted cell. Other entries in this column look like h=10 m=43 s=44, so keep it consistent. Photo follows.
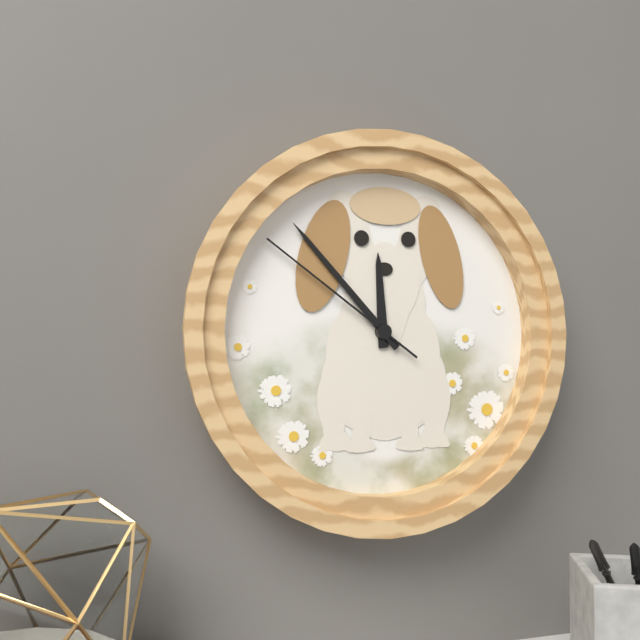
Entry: h=11 m=53 s=51
